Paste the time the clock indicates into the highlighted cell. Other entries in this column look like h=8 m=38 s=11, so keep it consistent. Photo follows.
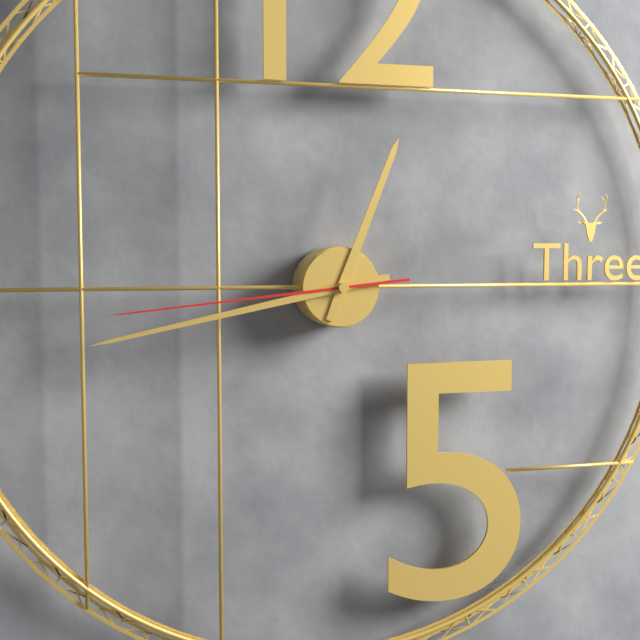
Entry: h=12 m=43 s=44
